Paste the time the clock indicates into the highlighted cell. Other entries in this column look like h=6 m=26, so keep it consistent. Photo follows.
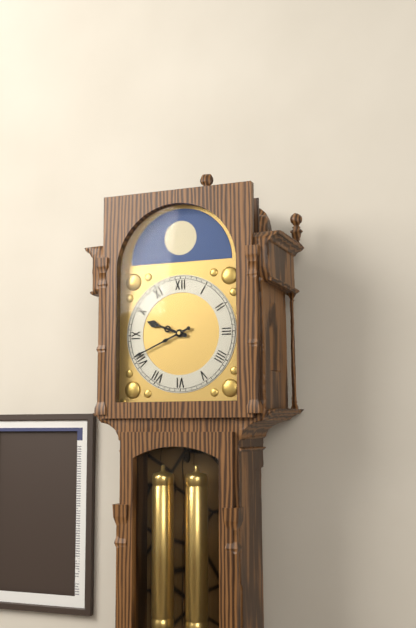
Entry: h=9 m=41
